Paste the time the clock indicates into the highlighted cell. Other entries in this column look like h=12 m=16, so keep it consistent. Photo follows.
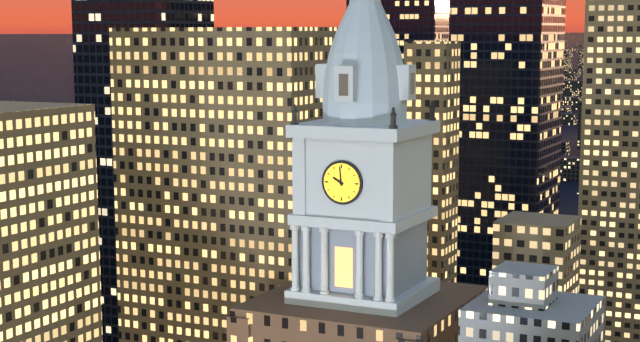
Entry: h=9 m=59
